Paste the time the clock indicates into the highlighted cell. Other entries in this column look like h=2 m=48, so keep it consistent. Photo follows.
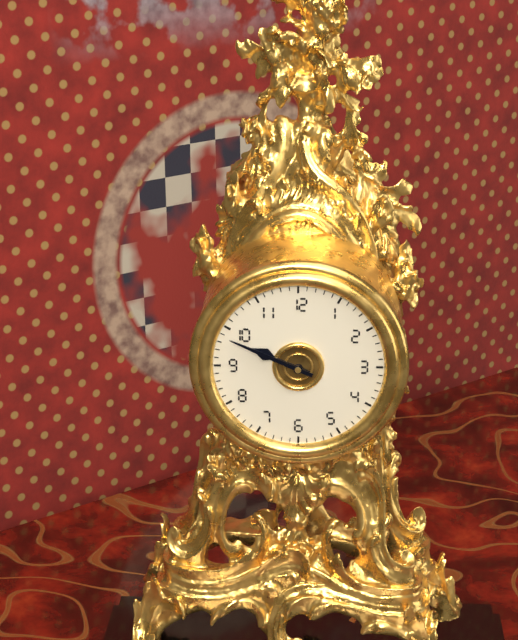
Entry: h=9 m=49
